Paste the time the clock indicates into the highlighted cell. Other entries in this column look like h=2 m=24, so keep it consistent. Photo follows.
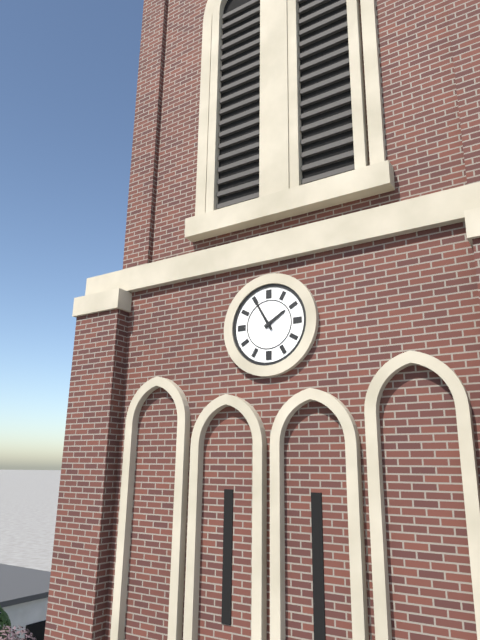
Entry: h=1 m=55
